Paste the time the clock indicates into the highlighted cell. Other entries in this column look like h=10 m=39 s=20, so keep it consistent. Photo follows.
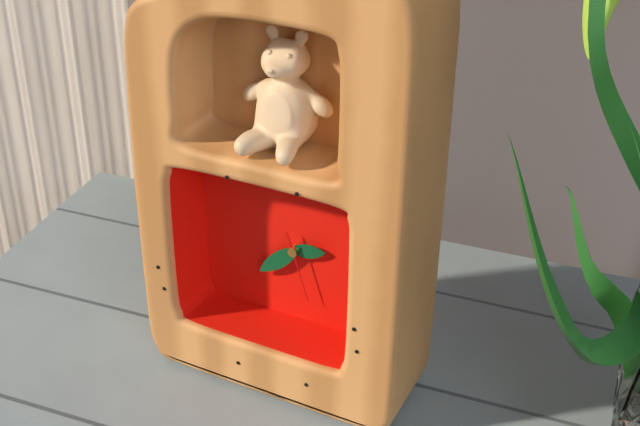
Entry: h=2 m=38 s=27
